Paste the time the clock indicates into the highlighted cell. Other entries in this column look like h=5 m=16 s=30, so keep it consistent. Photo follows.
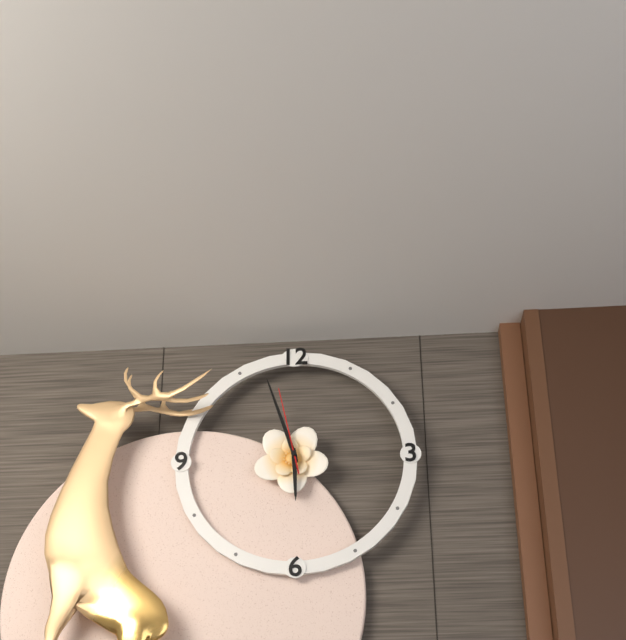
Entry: h=5 m=57 s=58
